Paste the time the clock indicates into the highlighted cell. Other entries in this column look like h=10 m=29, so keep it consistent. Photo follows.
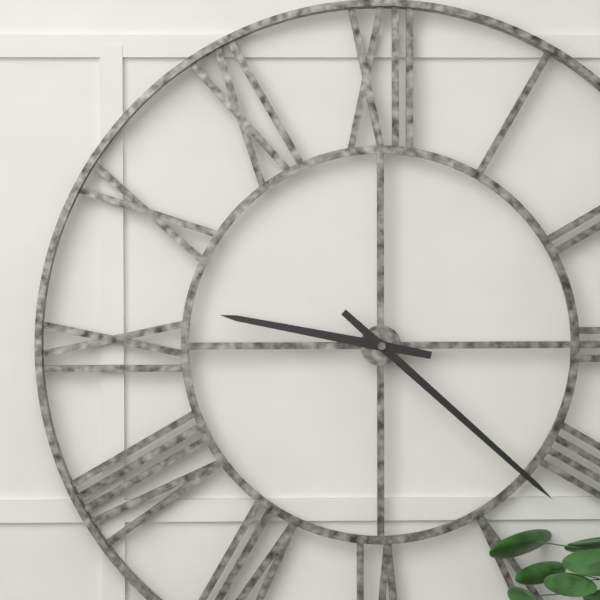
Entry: h=9 m=22
